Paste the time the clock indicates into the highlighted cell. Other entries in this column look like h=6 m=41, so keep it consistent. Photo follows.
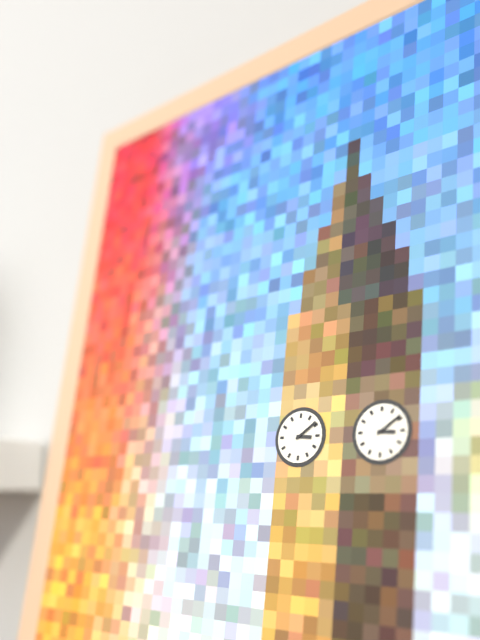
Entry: h=3 m=9
